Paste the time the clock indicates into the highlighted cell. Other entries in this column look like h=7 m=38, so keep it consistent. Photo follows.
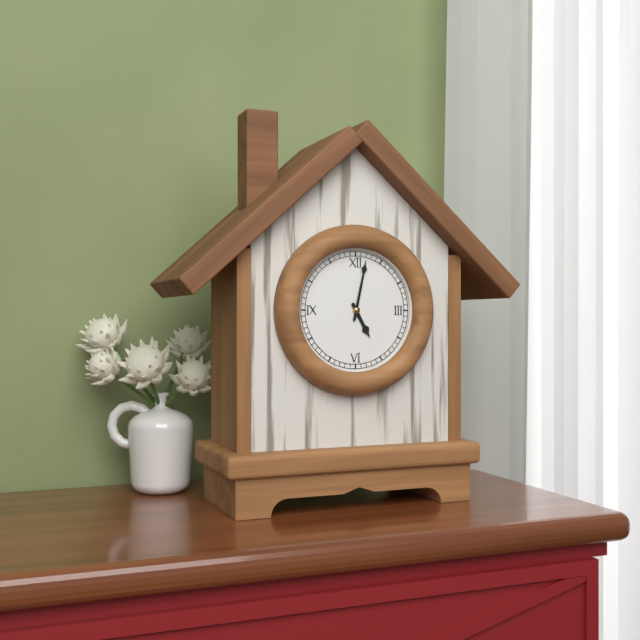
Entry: h=5 m=2
